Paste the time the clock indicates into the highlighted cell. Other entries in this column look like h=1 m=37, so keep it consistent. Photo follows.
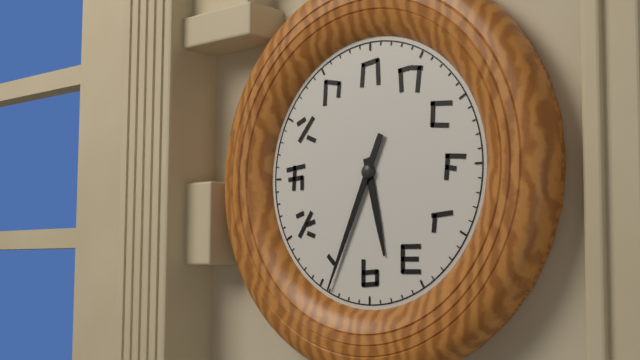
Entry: h=5 m=34
